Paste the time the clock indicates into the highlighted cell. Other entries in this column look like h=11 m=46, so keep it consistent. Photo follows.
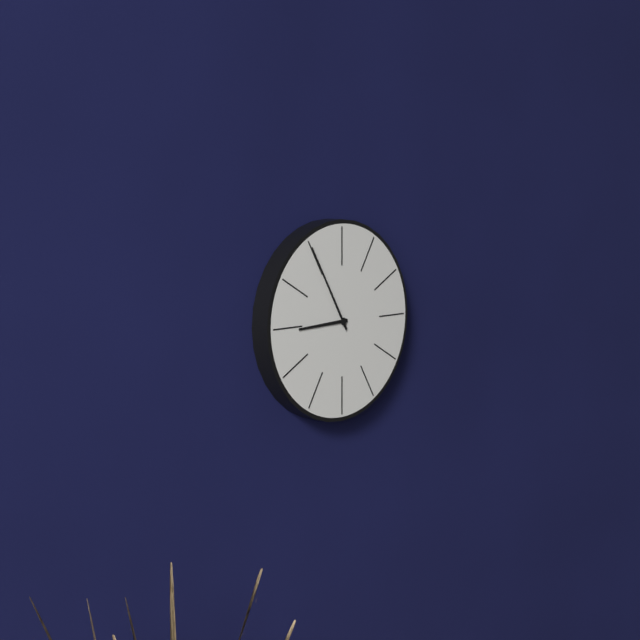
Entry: h=8 m=55
